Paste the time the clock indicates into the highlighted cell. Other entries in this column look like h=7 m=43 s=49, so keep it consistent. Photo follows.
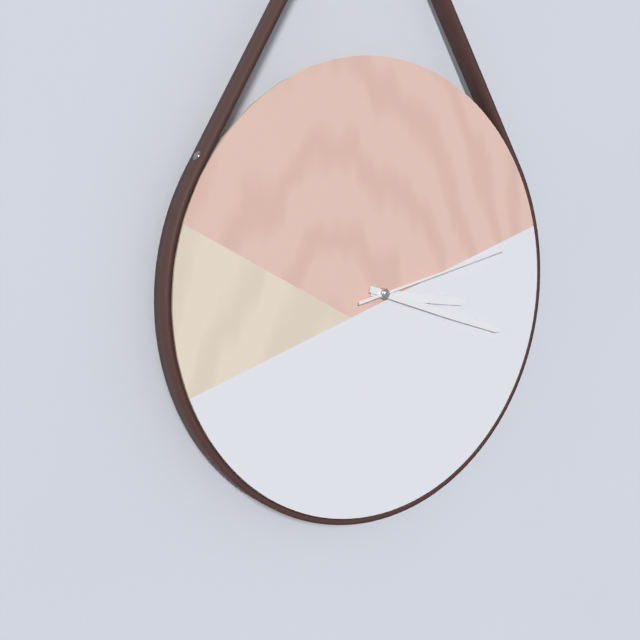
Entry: h=3 m=18 s=13
